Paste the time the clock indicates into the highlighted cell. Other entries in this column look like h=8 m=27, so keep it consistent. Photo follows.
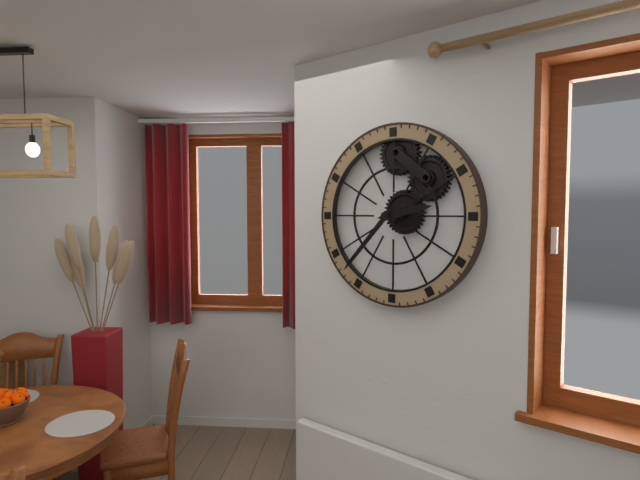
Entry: h=2 m=37
